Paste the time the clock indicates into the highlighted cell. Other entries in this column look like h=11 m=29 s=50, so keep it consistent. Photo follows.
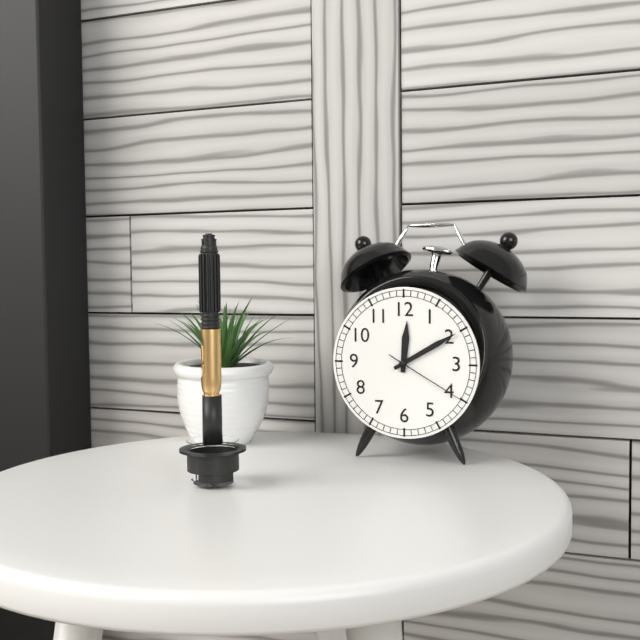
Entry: h=12 m=10 s=20
